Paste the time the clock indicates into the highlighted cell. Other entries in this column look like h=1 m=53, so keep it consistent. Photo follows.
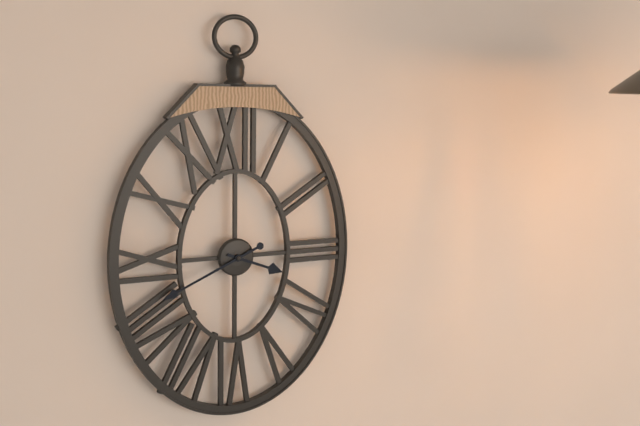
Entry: h=3 m=41
